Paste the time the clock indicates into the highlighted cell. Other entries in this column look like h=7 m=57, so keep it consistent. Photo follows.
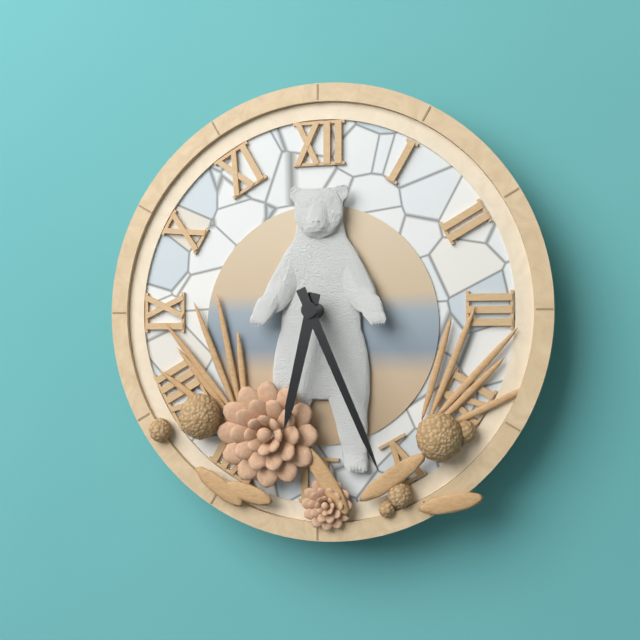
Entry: h=6 m=26
